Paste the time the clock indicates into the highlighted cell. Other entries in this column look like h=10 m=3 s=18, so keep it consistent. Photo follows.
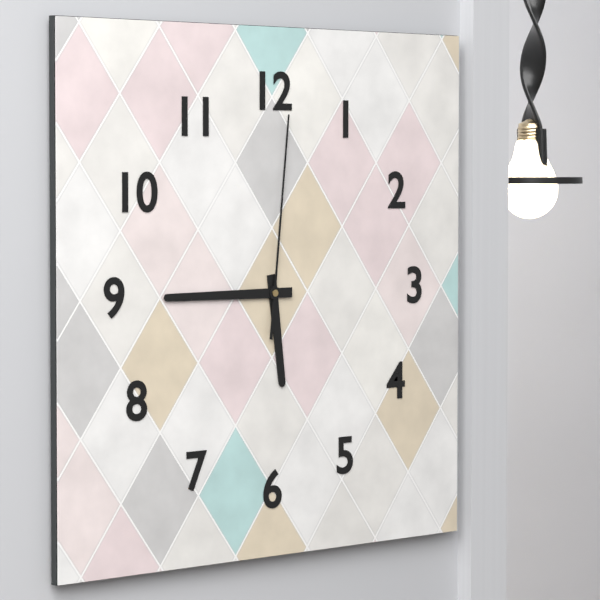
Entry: h=5 m=45 s=1
